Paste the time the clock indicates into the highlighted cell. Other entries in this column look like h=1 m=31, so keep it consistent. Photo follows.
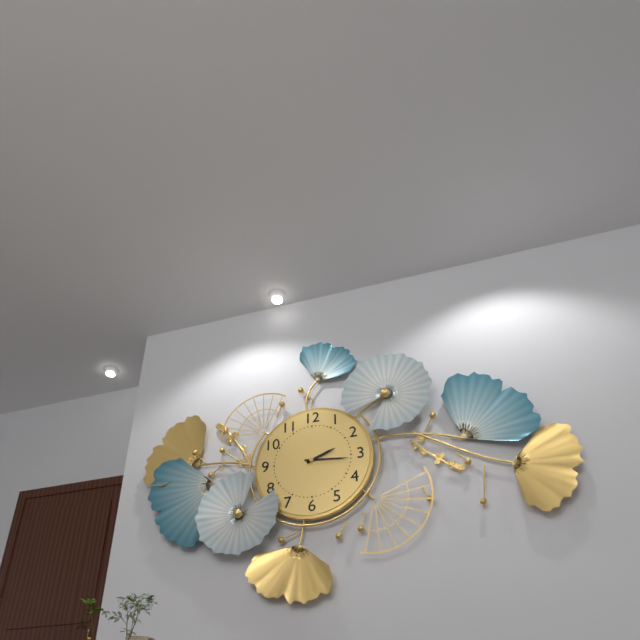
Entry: h=2 m=16
